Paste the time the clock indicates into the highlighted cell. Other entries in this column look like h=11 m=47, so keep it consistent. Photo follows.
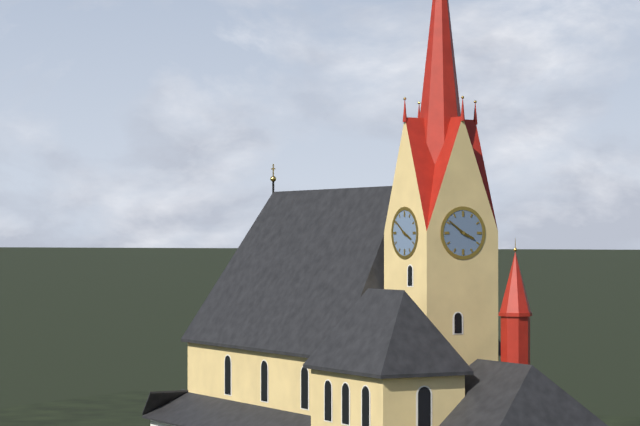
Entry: h=3 m=51
